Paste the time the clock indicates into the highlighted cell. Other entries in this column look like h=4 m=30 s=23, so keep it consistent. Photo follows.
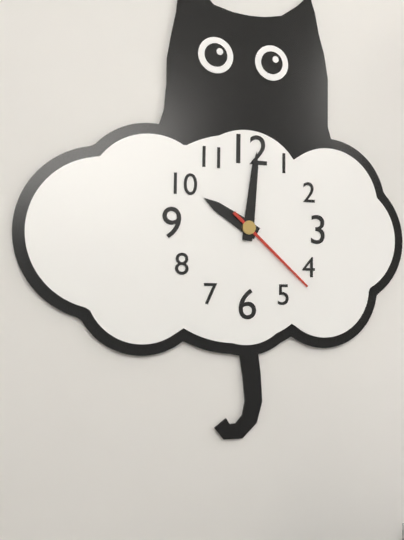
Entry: h=10 m=1 s=22
